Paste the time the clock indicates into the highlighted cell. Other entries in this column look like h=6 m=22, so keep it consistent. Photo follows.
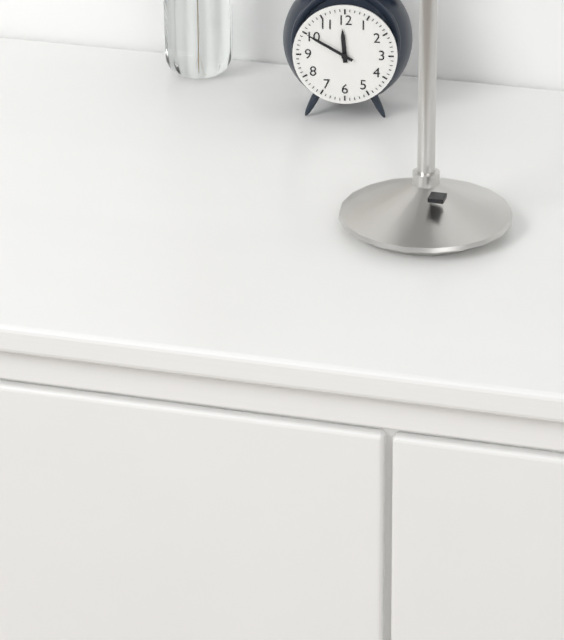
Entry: h=11 m=50
